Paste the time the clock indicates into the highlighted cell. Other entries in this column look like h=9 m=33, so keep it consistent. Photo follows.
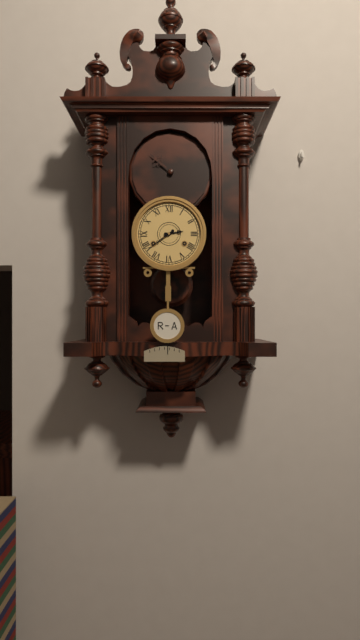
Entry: h=2 m=39
